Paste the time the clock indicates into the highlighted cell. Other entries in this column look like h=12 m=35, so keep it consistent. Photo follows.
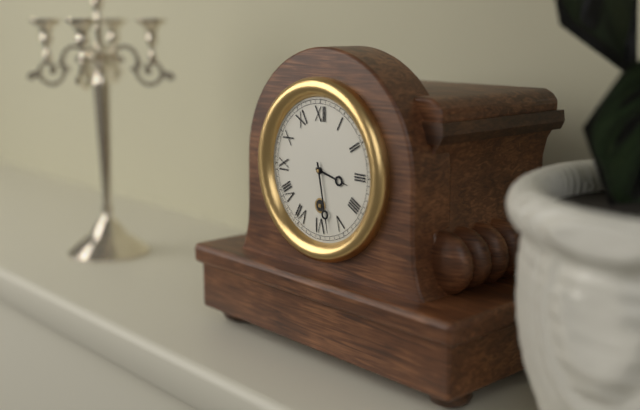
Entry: h=3 m=28
